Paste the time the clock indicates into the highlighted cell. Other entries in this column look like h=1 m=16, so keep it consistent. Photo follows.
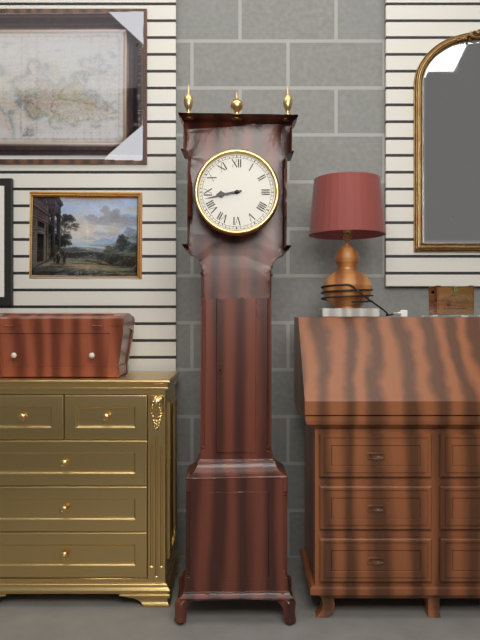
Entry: h=8 m=43
